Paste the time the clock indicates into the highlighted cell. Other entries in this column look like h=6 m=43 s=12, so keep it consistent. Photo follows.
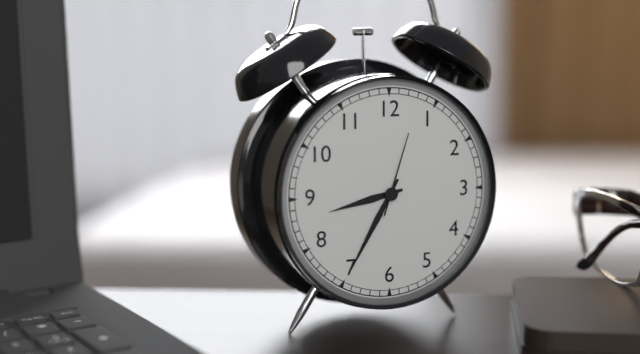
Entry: h=8 m=35 s=3
